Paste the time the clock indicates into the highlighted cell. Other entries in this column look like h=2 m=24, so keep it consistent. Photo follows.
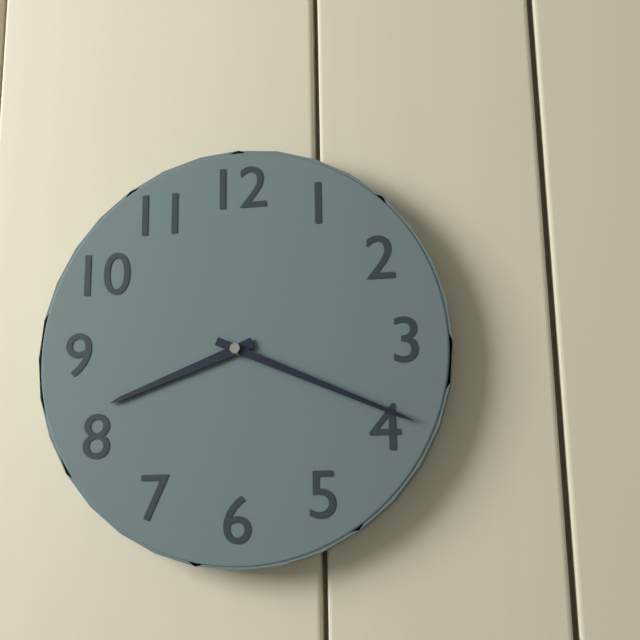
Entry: h=8 m=19
